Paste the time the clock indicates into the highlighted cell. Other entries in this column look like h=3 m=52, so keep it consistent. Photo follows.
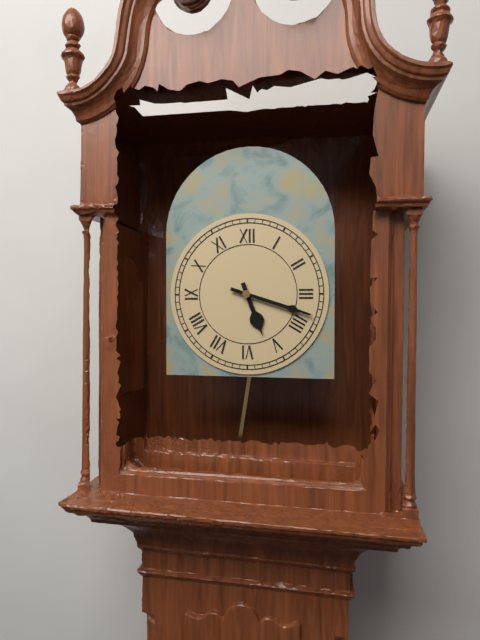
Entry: h=5 m=18
